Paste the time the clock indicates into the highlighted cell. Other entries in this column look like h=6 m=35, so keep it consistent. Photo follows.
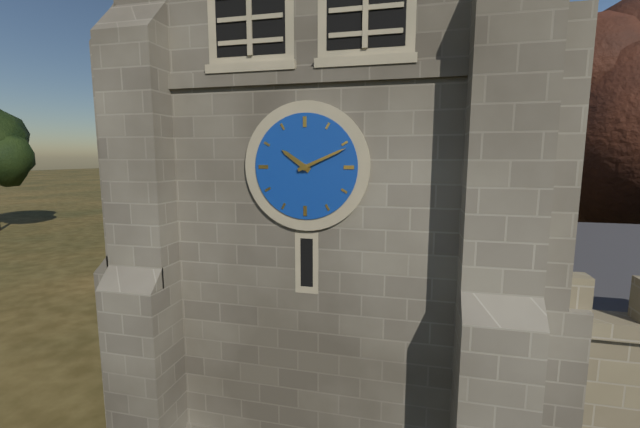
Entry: h=10 m=11
